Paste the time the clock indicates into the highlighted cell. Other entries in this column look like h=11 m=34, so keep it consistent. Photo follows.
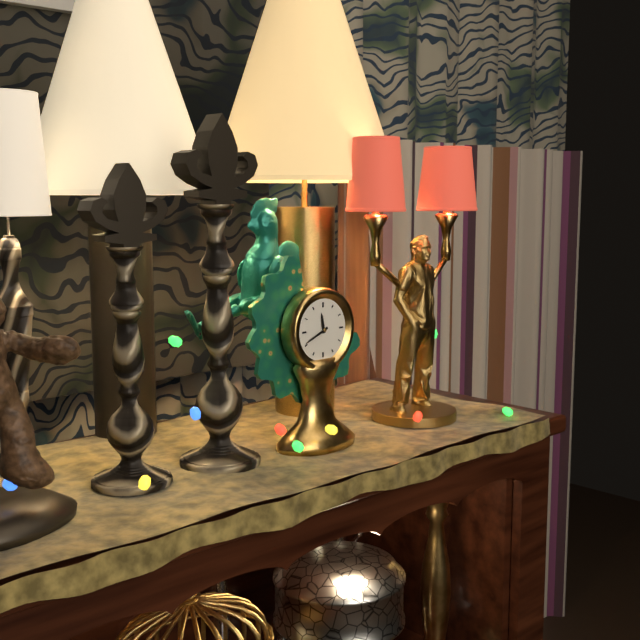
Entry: h=11 m=41
